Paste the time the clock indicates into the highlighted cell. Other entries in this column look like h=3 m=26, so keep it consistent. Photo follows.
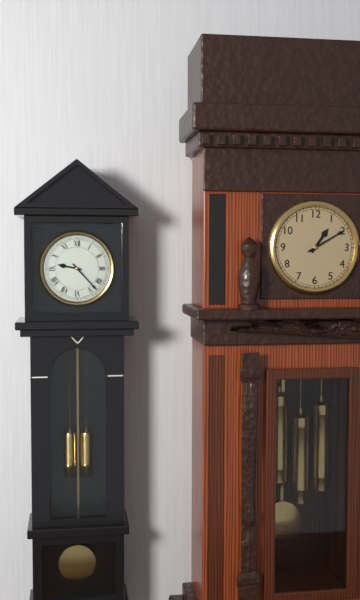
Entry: h=9 m=23
